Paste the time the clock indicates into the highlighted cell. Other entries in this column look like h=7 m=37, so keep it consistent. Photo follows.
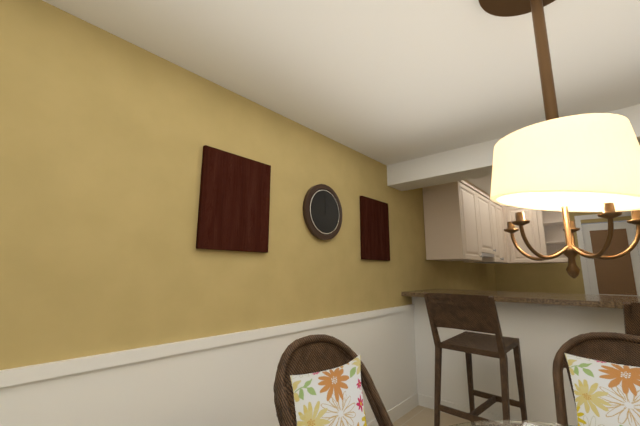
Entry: h=12 m=59
